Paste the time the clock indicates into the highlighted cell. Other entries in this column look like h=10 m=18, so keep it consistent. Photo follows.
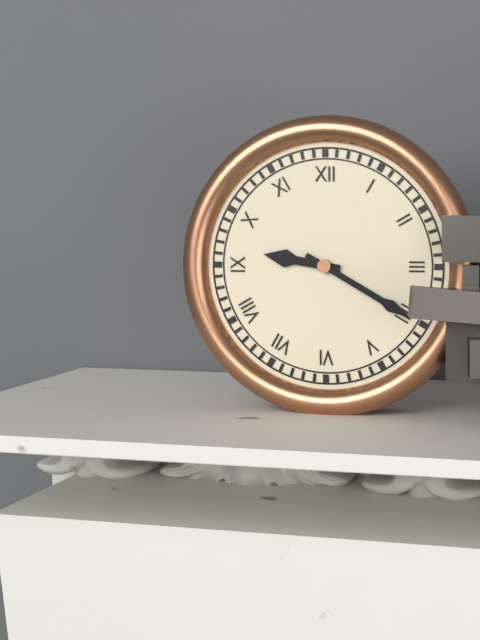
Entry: h=9 m=20
